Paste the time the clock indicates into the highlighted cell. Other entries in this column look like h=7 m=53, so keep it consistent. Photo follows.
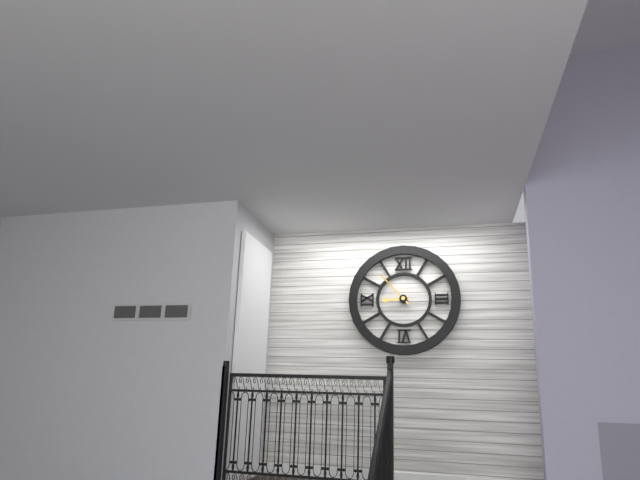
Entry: h=8 m=53
